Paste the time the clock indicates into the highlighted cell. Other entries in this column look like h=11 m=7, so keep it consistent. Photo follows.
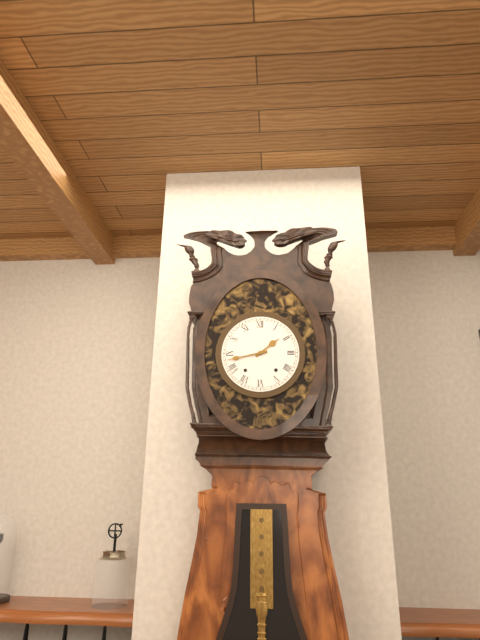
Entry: h=1 m=43
